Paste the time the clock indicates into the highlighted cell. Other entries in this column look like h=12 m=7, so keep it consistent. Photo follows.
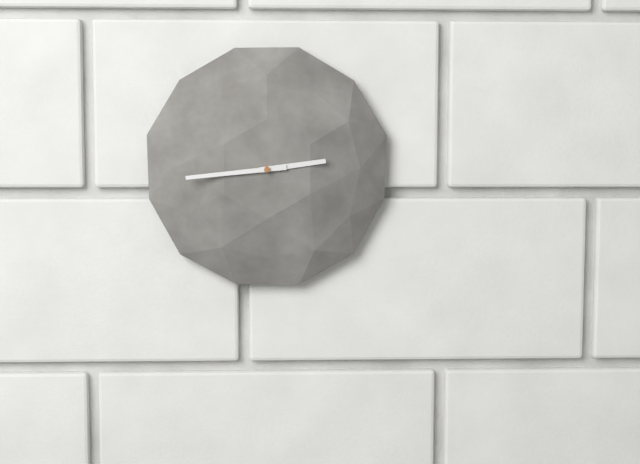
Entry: h=2 m=44
